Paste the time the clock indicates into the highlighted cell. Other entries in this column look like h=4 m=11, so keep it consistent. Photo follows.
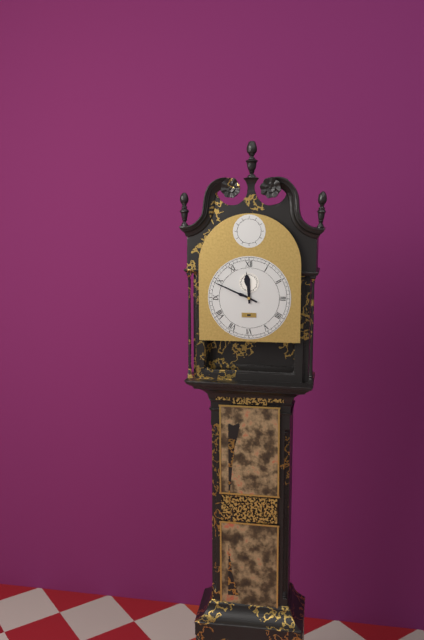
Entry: h=11 m=49
